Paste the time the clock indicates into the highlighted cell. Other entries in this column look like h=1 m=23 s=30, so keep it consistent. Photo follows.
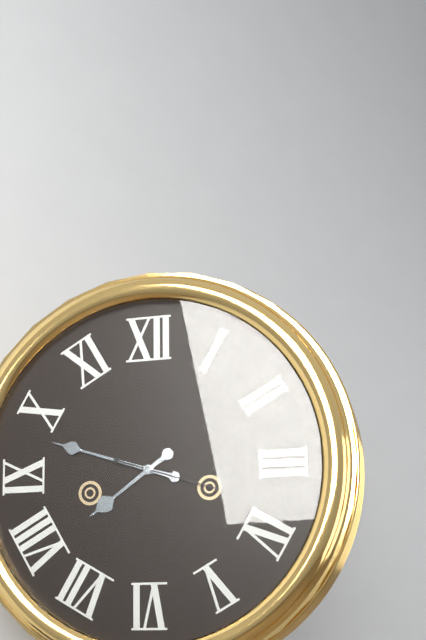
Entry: h=7 m=48 s=18
